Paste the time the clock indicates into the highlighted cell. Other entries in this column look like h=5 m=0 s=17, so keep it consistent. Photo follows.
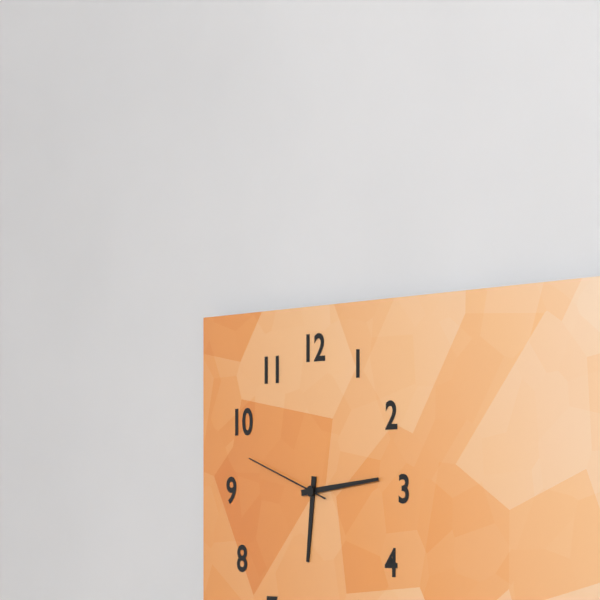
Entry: h=6 m=14 s=48
